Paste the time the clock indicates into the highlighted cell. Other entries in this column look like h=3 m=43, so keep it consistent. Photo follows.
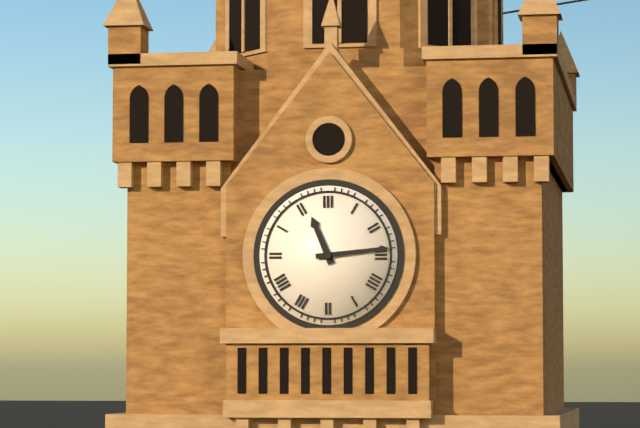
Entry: h=11 m=14
